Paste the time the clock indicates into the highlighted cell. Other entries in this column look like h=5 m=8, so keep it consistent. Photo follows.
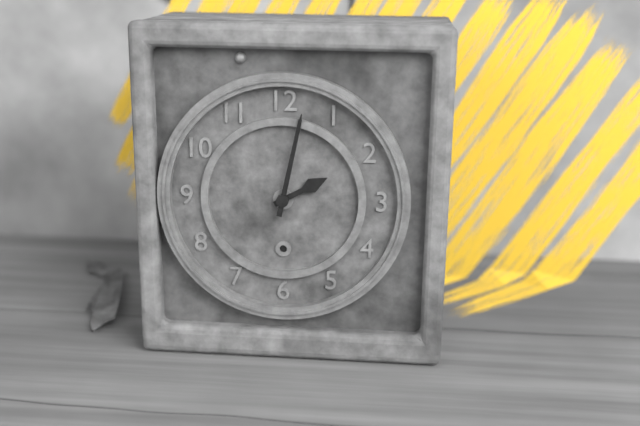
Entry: h=2 m=2
